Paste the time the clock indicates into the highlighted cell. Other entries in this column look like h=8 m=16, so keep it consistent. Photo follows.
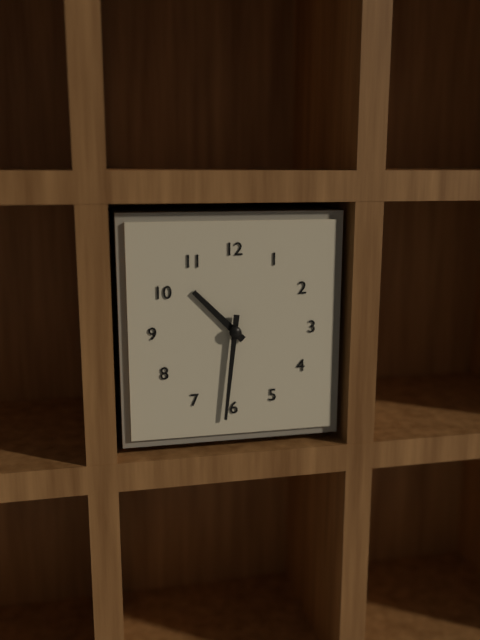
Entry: h=10 m=31
